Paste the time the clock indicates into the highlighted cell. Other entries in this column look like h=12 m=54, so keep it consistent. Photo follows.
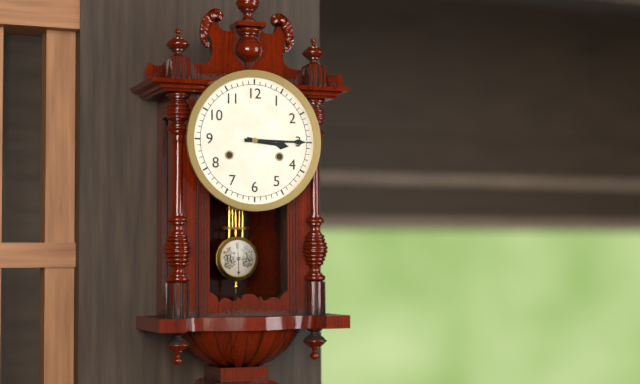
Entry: h=3 m=15
